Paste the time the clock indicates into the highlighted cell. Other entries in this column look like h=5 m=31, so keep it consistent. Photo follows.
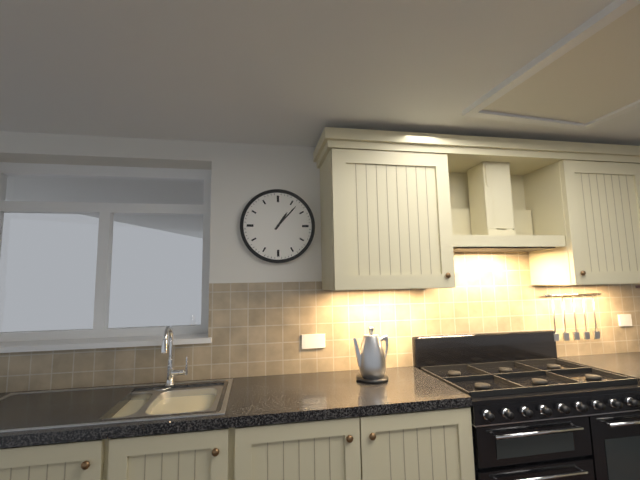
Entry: h=1 m=7
